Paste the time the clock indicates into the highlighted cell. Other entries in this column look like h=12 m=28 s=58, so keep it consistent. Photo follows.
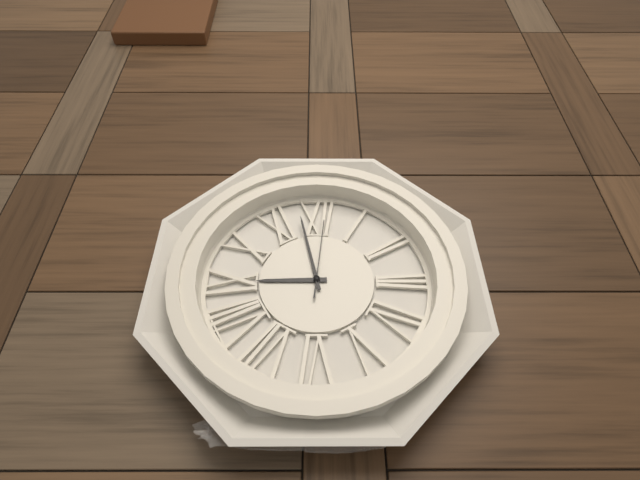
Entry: h=8 m=58 s=1
